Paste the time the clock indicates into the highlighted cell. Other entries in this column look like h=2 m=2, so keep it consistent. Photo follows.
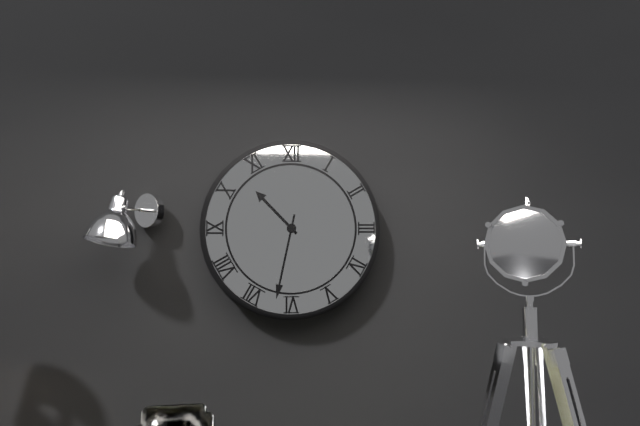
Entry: h=10 m=32
